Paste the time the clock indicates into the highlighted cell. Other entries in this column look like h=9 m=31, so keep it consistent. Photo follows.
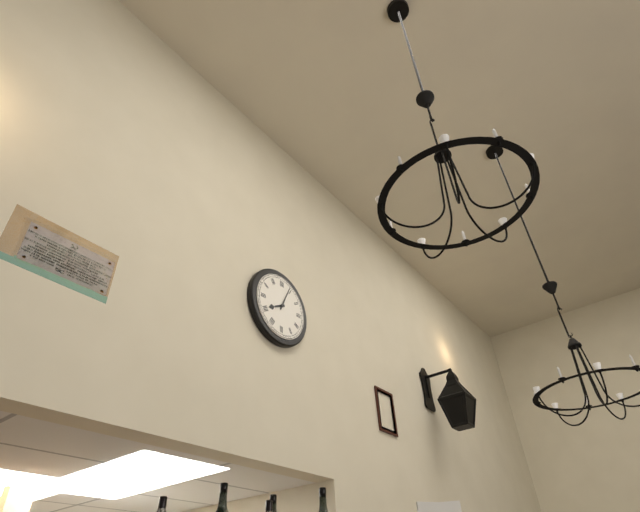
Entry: h=8 m=4
